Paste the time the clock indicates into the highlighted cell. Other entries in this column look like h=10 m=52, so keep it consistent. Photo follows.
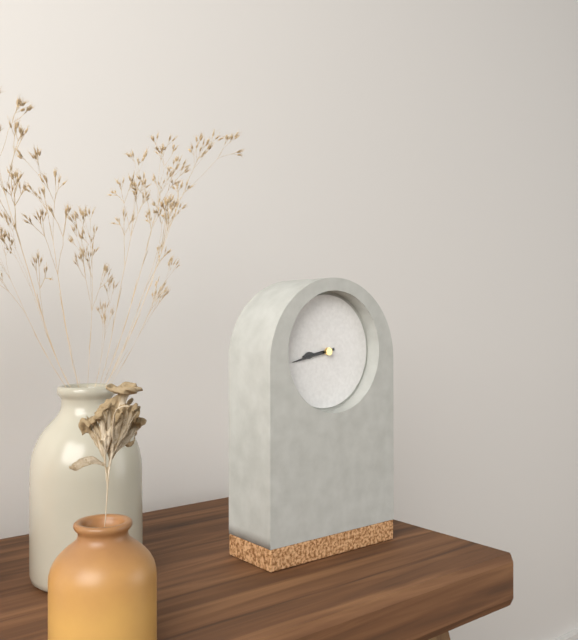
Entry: h=8 m=43
